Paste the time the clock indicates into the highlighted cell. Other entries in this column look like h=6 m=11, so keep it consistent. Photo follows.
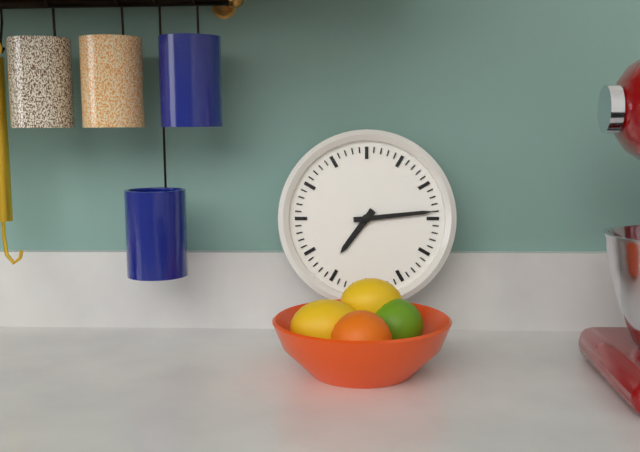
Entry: h=7 m=14
